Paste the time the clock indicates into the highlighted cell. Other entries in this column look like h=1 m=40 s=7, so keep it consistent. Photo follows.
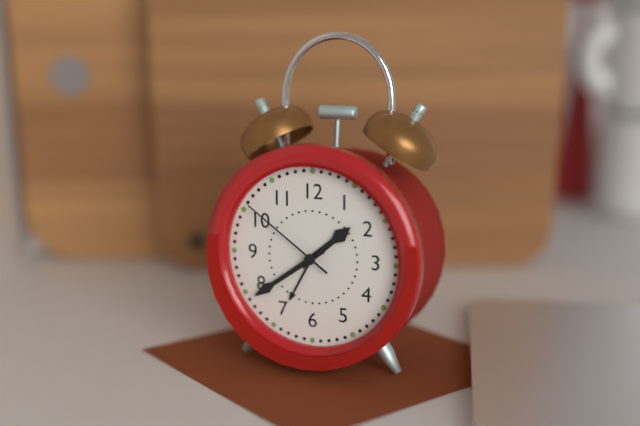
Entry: h=1 m=39 s=51
